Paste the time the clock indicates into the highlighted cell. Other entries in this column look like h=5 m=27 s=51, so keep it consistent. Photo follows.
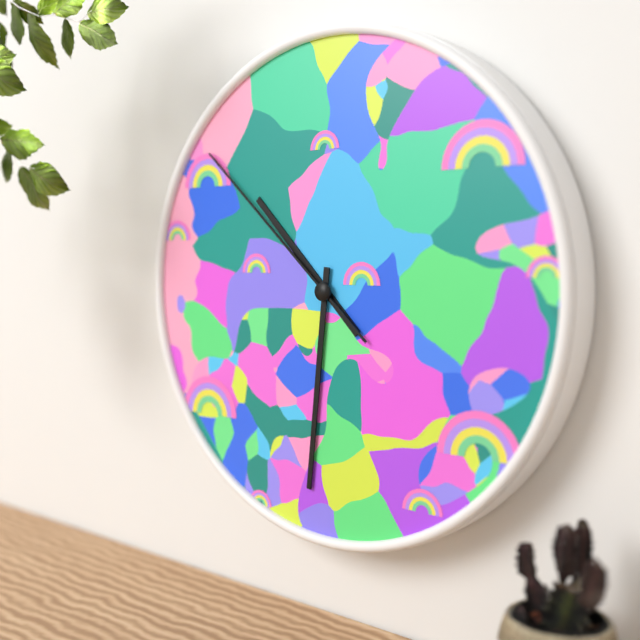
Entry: h=10 m=31 s=52
